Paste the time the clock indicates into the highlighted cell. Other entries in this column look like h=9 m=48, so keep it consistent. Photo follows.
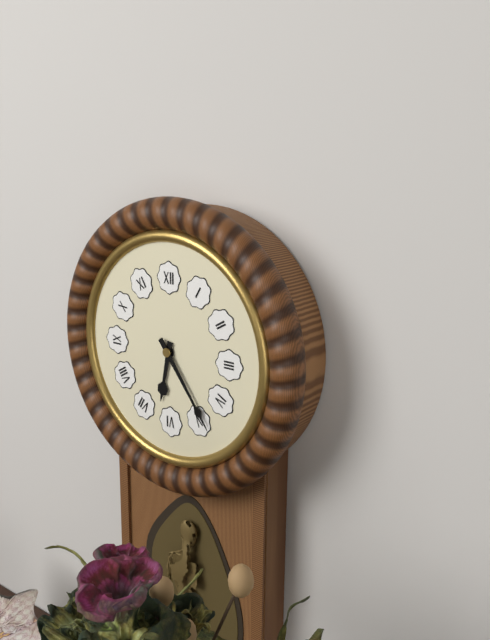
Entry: h=6 m=24
